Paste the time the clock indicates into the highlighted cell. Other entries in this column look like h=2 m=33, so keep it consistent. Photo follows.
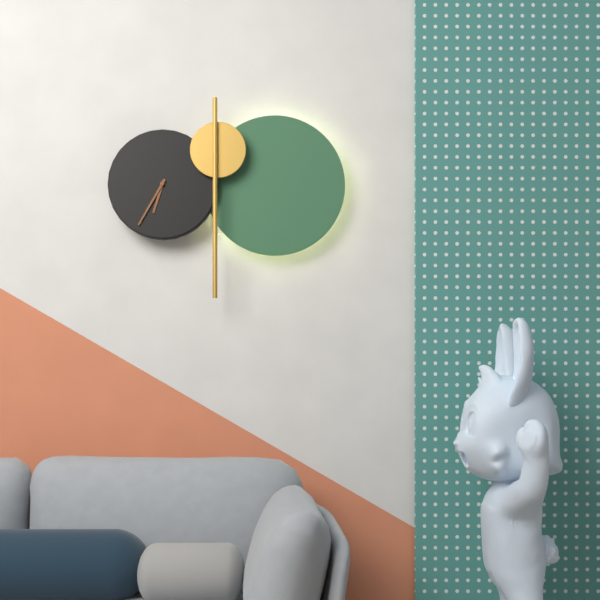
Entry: h=6 m=35
